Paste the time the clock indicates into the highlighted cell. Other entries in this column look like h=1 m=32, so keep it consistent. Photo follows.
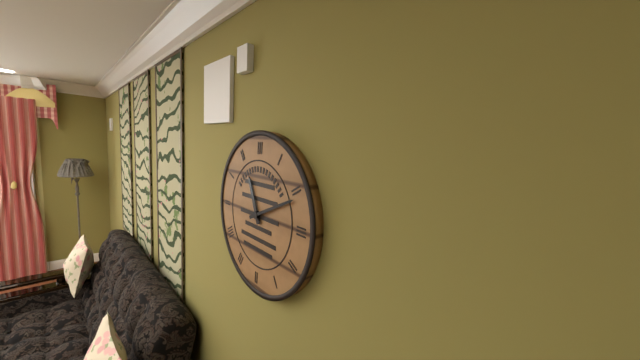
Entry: h=11 m=11
